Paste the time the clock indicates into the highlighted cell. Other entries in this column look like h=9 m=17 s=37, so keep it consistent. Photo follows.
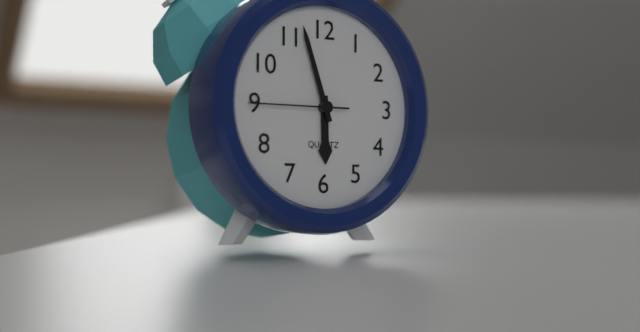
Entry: h=5 m=57 s=45
